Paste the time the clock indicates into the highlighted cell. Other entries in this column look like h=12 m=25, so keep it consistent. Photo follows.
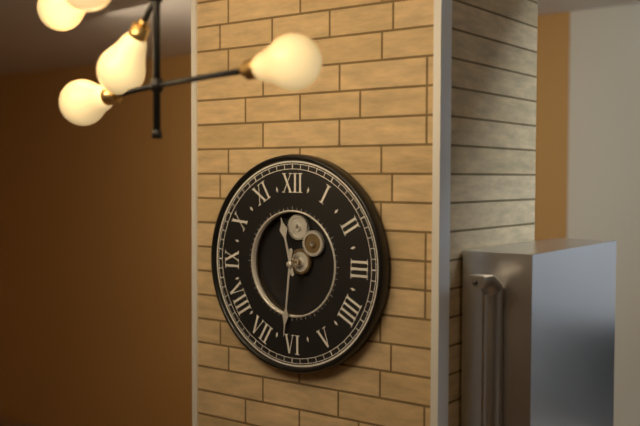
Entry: h=11 m=31
